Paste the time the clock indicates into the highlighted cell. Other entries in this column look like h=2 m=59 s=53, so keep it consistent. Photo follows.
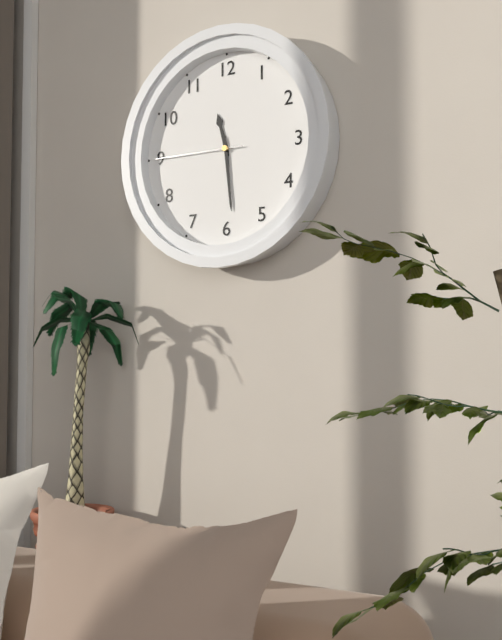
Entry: h=11 m=29 s=45
